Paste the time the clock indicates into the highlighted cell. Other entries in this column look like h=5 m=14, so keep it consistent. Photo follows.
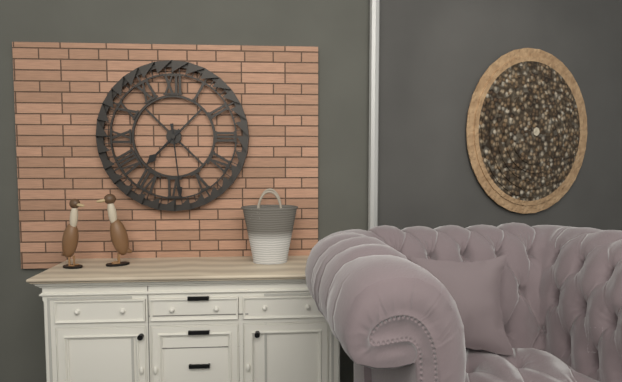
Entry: h=7 m=29
